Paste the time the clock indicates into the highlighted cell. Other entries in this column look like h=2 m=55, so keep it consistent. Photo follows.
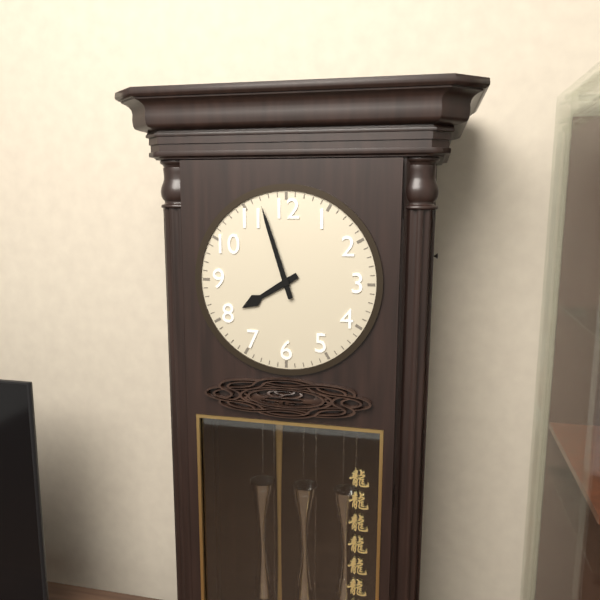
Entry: h=7 m=57
